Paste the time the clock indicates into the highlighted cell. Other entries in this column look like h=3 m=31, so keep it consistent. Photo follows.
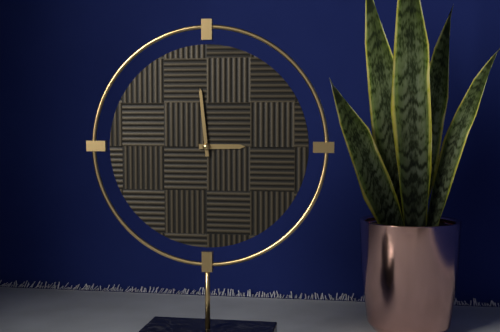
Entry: h=2 m=59
